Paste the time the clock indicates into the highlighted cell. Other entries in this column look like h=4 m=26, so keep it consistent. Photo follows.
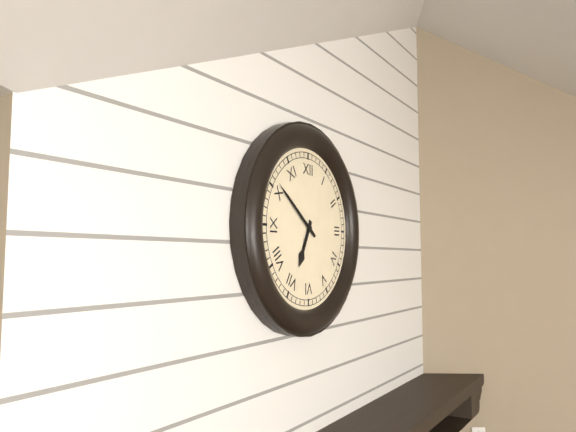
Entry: h=6 m=51
